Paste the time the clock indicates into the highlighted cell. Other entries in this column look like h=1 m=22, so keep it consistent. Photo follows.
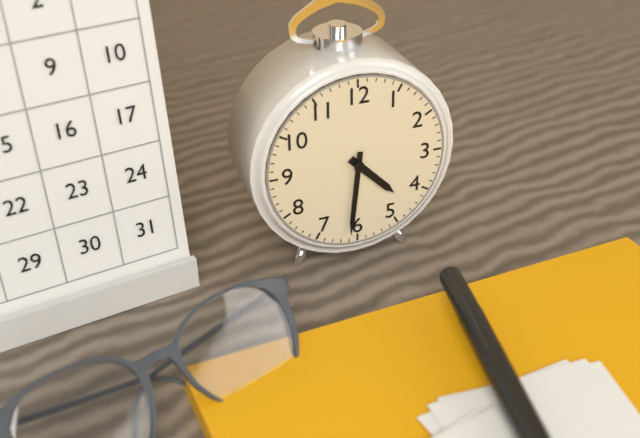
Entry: h=4 m=31
